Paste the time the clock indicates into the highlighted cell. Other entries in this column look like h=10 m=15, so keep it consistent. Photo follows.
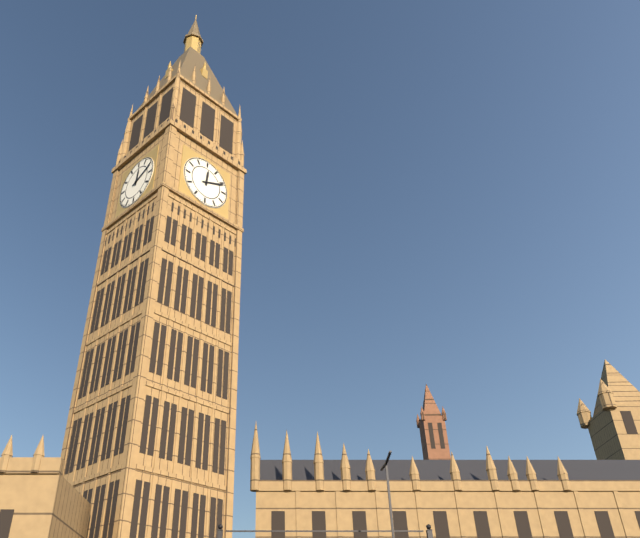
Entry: h=12 m=11
